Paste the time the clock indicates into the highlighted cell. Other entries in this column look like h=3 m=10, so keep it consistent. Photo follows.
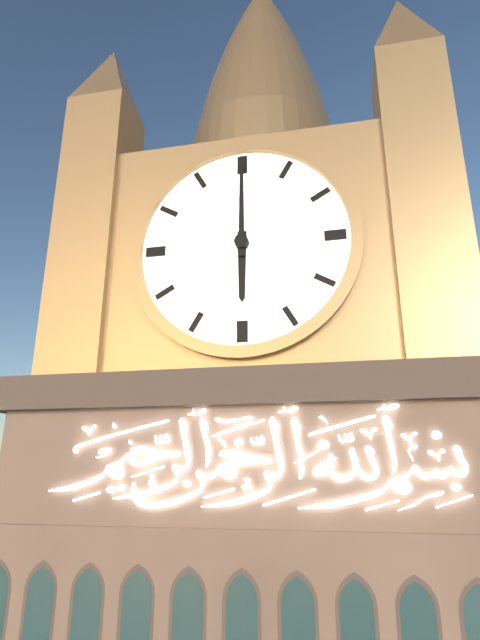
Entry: h=6 m=0
